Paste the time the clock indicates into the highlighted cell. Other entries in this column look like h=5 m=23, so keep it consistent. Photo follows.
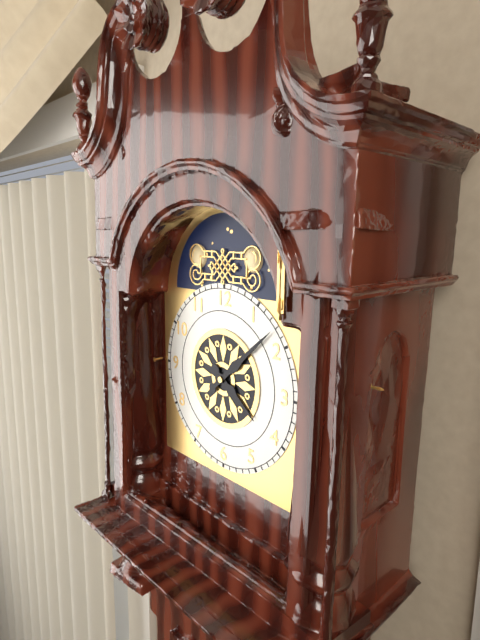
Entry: h=4 m=8
